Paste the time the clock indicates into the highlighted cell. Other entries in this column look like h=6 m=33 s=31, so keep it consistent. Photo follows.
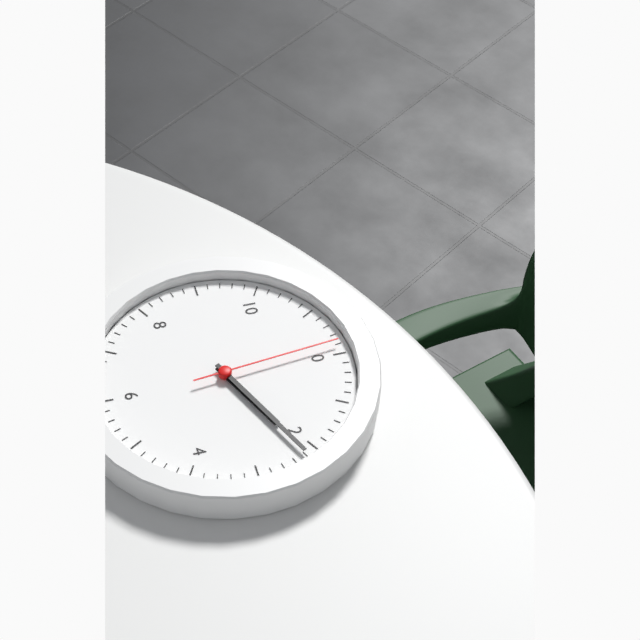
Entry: h=2 m=11 s=59
